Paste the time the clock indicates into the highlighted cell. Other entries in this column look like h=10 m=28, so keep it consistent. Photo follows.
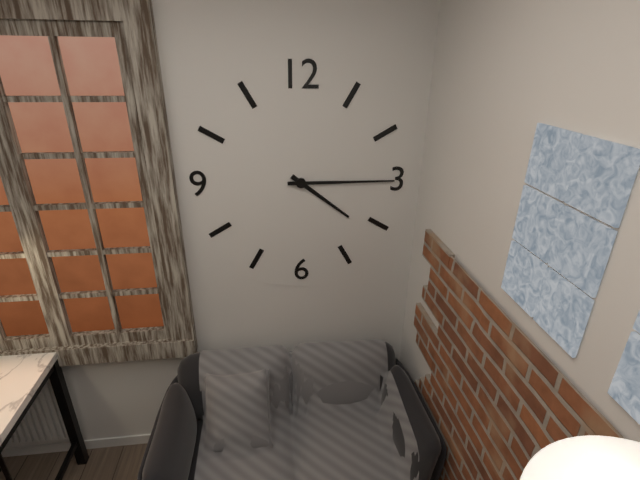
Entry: h=4 m=15
